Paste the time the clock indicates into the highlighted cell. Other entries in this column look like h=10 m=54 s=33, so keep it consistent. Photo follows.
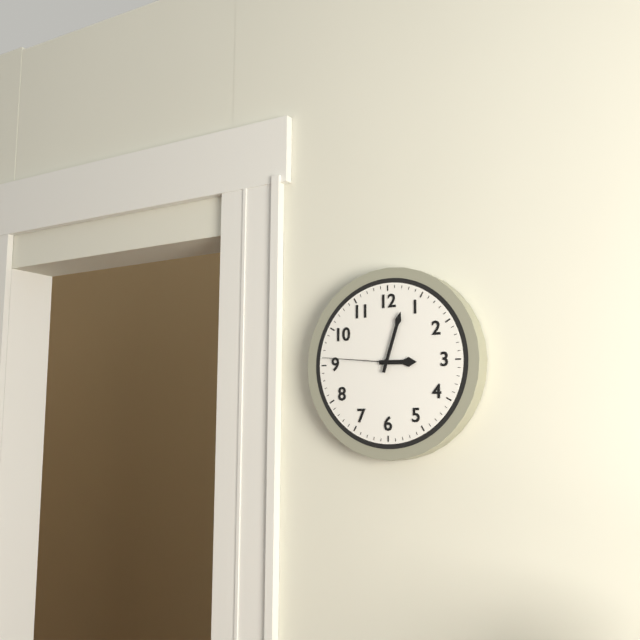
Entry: h=3 m=3 s=46
